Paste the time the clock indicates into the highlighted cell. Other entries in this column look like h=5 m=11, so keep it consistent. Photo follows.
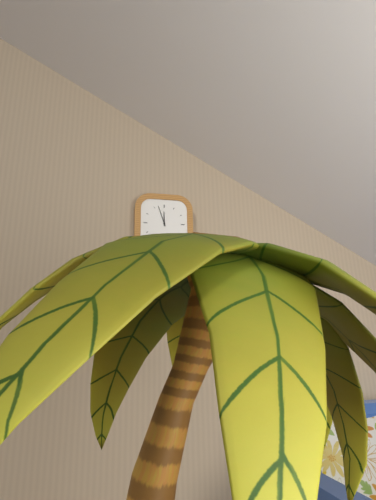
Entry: h=11 m=57
